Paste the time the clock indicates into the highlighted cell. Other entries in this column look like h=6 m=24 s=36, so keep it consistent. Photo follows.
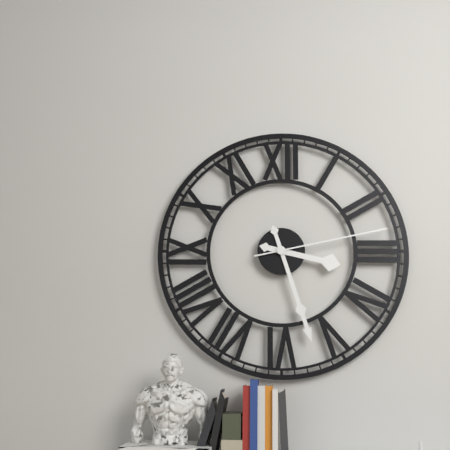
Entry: h=3 m=27 s=13
